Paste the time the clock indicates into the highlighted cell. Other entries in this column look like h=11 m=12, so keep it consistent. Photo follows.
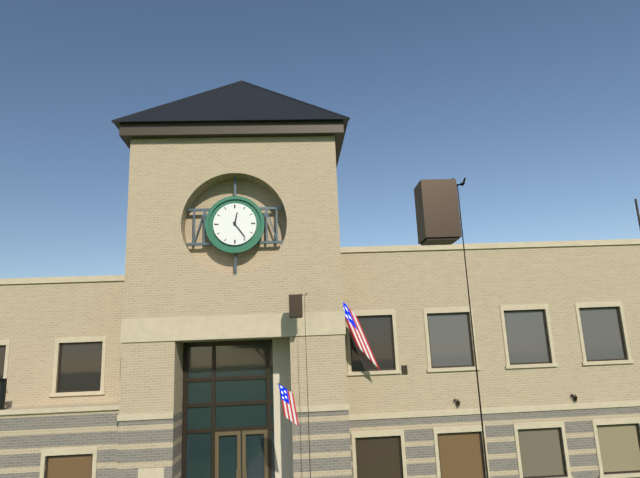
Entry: h=12 m=24
